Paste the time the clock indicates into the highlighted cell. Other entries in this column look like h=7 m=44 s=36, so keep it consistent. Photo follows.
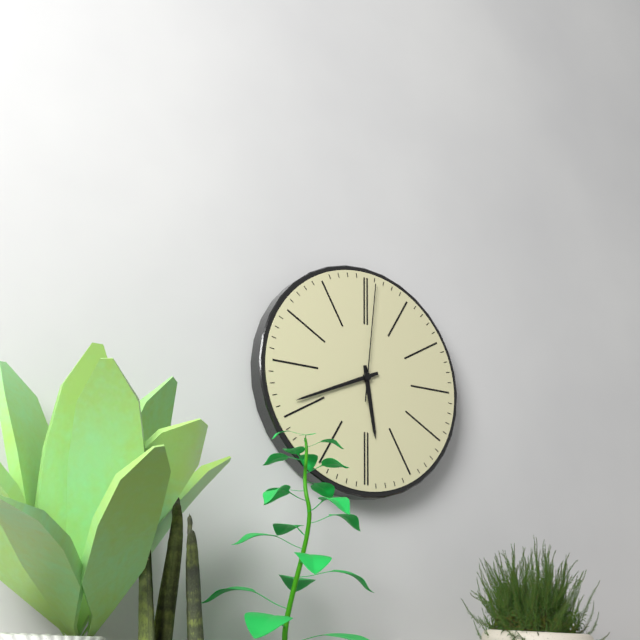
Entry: h=5 m=41 s=1
